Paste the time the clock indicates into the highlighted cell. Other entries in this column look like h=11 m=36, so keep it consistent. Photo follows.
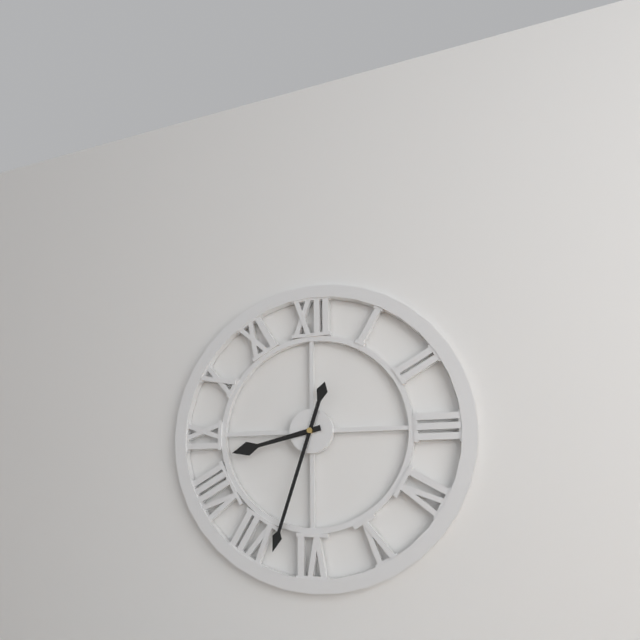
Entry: h=8 m=33
